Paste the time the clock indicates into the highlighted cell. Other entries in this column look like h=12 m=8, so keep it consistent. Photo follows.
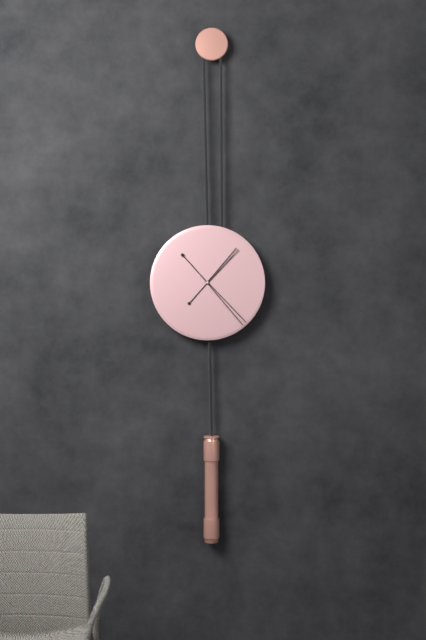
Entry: h=1 m=23
